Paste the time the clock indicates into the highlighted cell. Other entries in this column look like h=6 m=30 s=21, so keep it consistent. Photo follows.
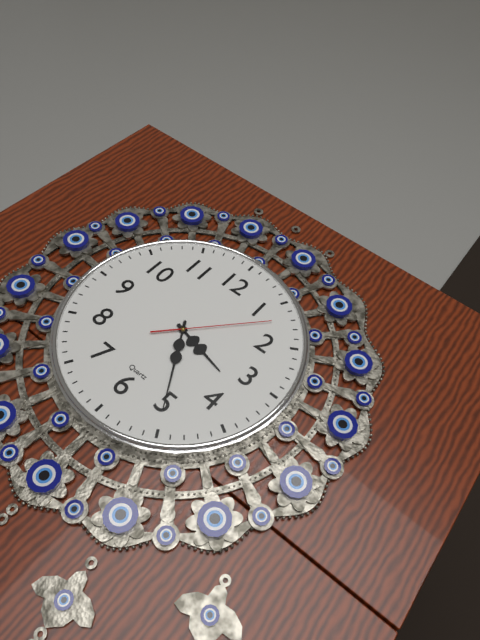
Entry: h=3 m=25 s=7
